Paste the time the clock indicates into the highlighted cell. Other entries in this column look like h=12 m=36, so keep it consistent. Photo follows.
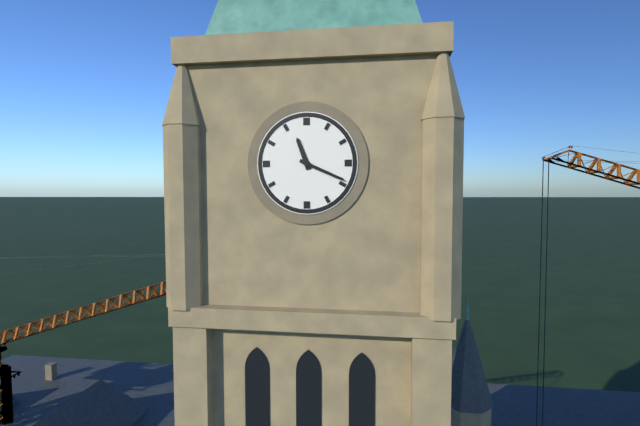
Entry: h=11 m=19
